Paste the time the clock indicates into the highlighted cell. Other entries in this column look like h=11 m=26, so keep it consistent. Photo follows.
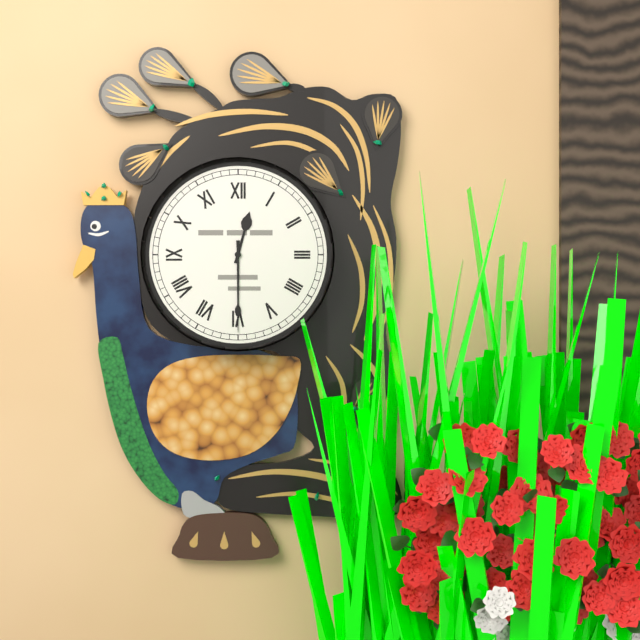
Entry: h=12 m=30
